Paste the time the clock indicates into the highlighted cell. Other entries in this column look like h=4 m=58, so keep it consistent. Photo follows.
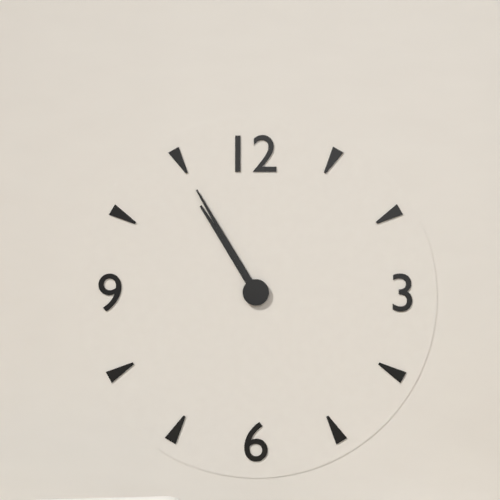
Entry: h=10 m=55
